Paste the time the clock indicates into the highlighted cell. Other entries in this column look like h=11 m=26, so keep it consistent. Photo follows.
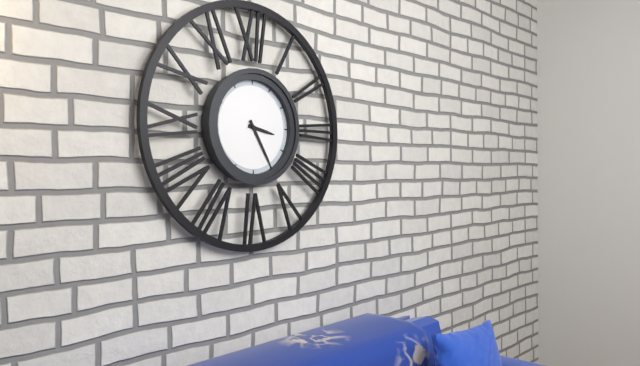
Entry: h=3 m=25
